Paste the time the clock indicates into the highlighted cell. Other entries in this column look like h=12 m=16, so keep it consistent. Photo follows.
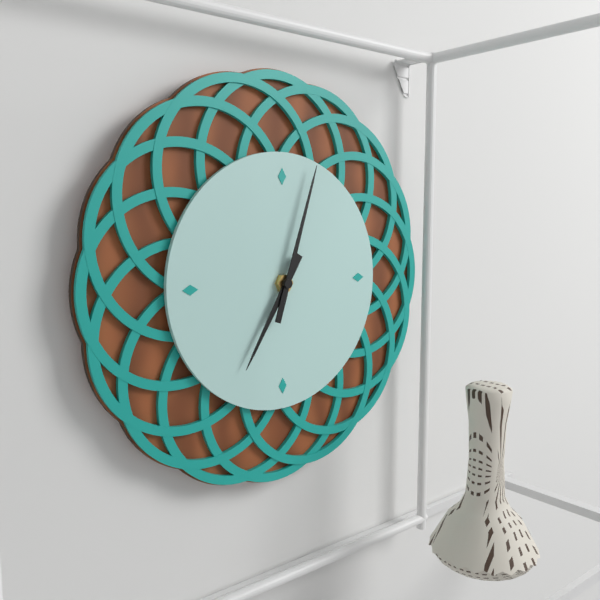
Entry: h=7 m=3
